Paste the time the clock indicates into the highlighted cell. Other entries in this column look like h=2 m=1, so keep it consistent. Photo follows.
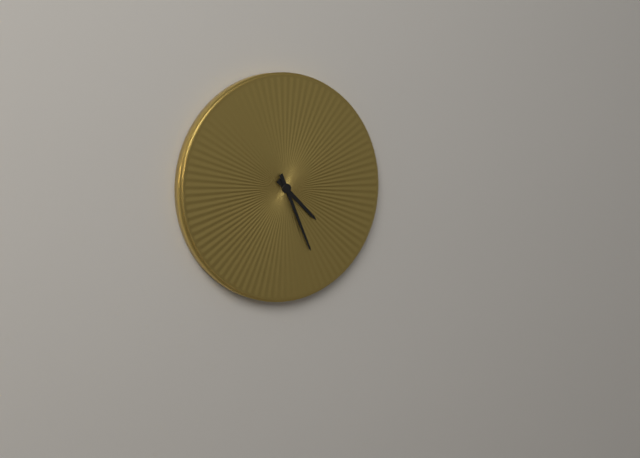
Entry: h=4 m=26
